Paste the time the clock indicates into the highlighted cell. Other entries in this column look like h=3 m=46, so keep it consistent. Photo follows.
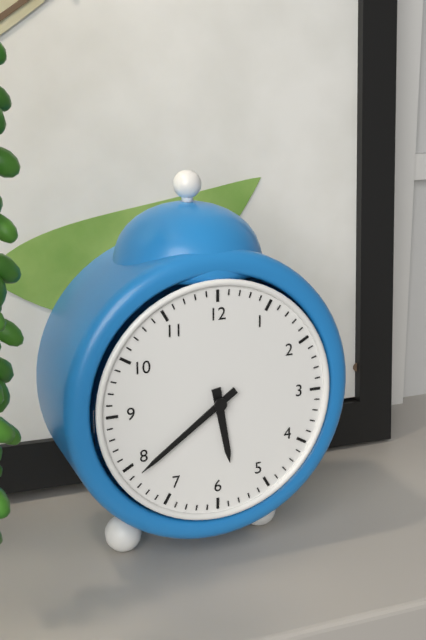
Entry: h=5 m=39
